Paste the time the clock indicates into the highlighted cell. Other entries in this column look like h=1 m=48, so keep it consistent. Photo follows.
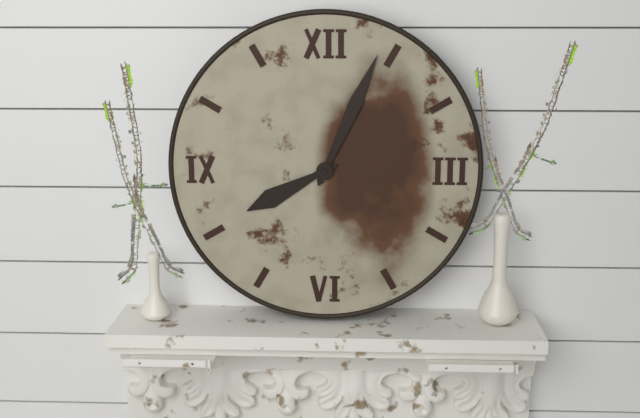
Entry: h=8 m=4
